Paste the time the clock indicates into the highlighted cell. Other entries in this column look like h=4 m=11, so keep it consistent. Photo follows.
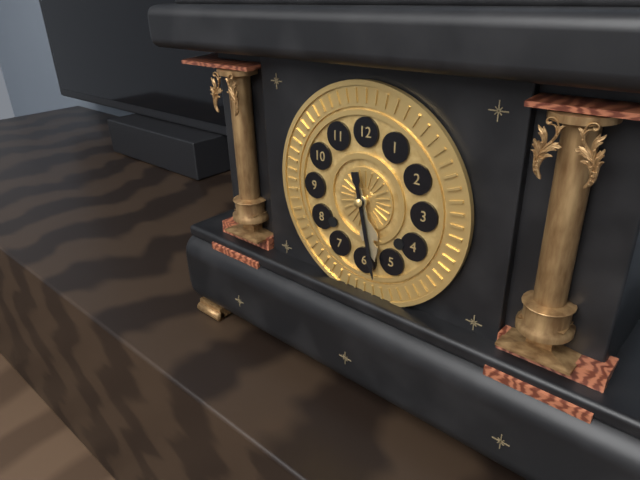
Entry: h=5 m=28
